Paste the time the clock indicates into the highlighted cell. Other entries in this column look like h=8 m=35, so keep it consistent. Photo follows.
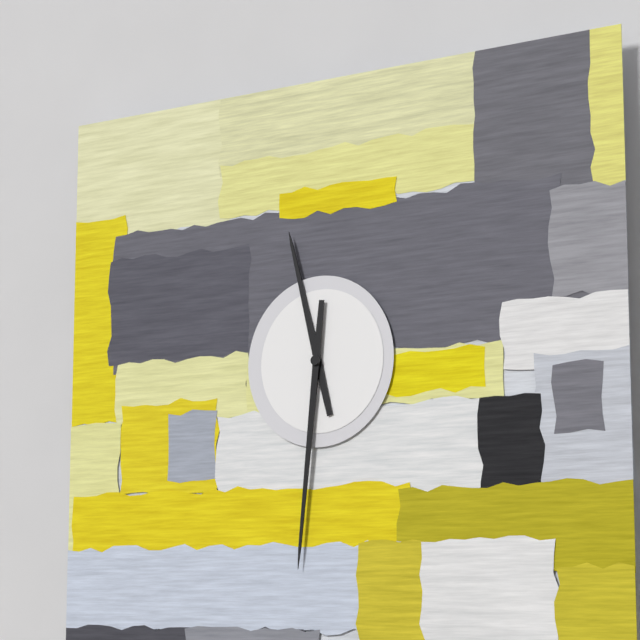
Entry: h=11 m=31
